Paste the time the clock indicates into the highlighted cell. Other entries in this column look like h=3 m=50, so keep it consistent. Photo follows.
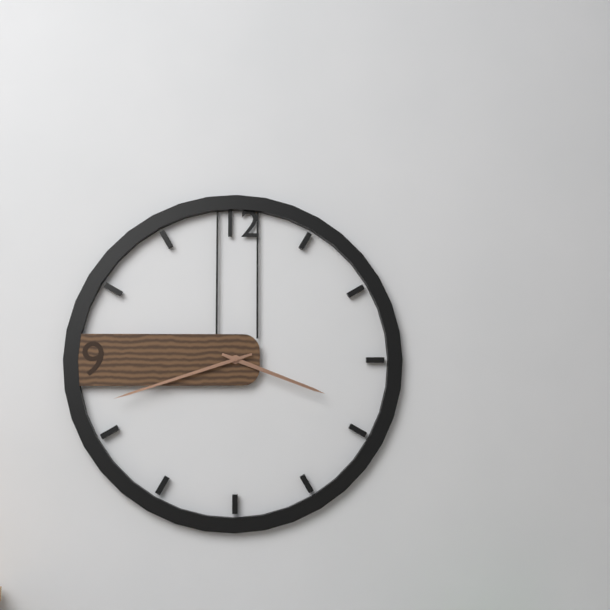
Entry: h=3 m=42
